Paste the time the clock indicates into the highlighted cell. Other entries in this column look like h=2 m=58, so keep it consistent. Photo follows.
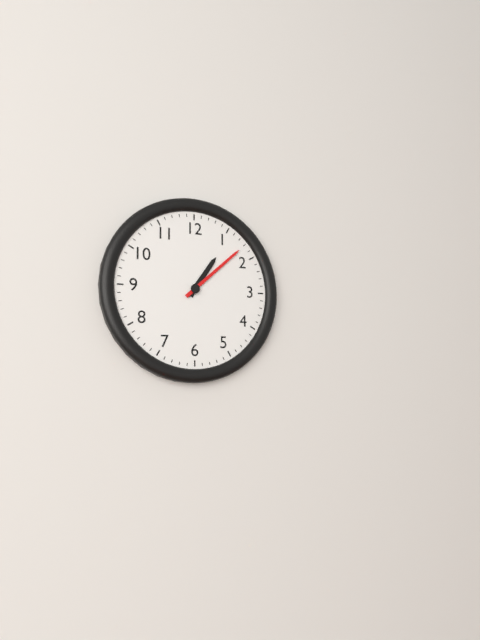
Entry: h=1 m=8
